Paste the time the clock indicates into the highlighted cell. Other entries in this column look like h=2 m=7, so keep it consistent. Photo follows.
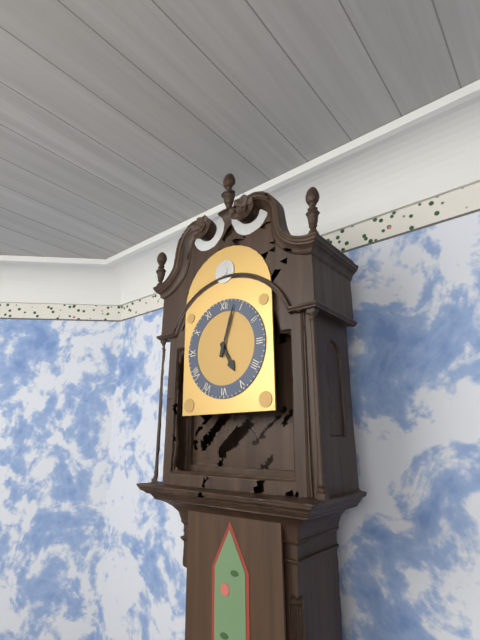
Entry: h=5 m=3
